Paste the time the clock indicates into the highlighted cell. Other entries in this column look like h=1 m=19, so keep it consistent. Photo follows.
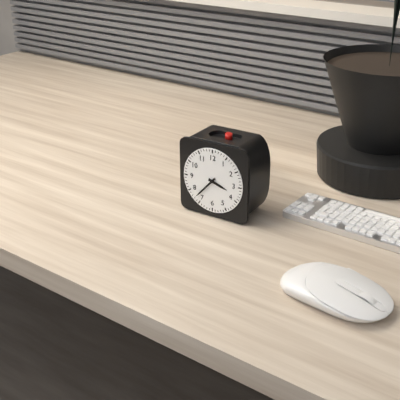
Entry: h=3 m=37
